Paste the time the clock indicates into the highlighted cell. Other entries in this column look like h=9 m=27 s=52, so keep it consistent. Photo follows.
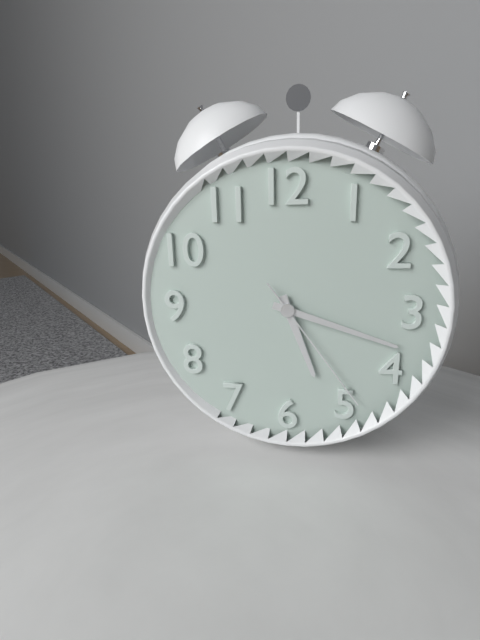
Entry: h=5 m=18 s=24
